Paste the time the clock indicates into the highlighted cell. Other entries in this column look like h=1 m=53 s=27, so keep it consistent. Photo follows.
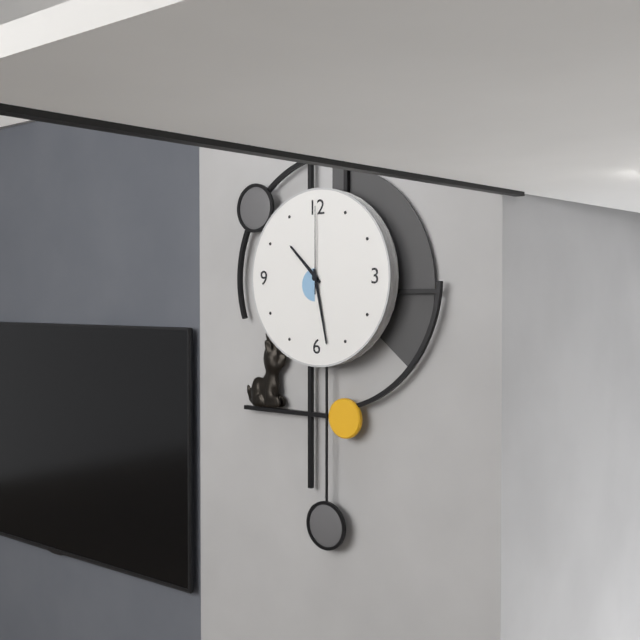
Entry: h=10 m=28 s=0
